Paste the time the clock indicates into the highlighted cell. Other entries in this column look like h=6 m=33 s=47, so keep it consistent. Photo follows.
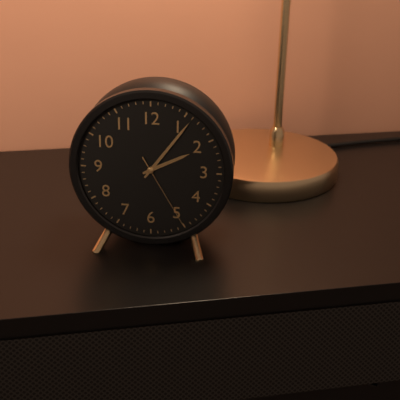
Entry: h=2 m=6 s=25
